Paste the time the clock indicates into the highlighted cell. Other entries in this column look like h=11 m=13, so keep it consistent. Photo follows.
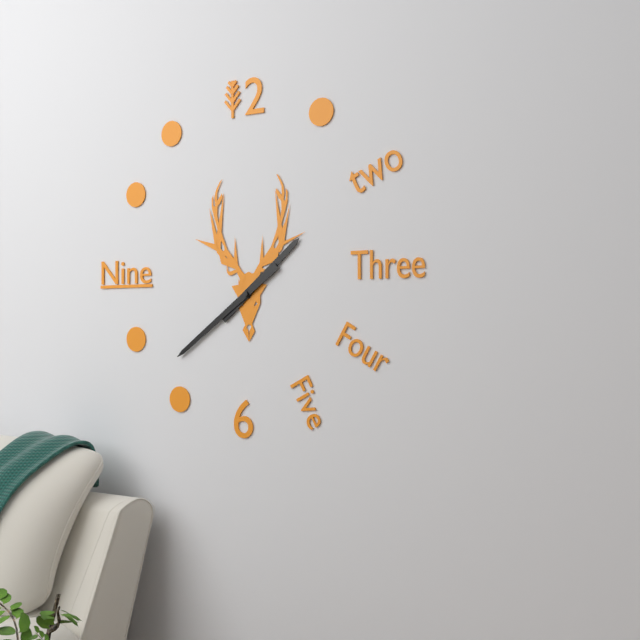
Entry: h=1 m=39
